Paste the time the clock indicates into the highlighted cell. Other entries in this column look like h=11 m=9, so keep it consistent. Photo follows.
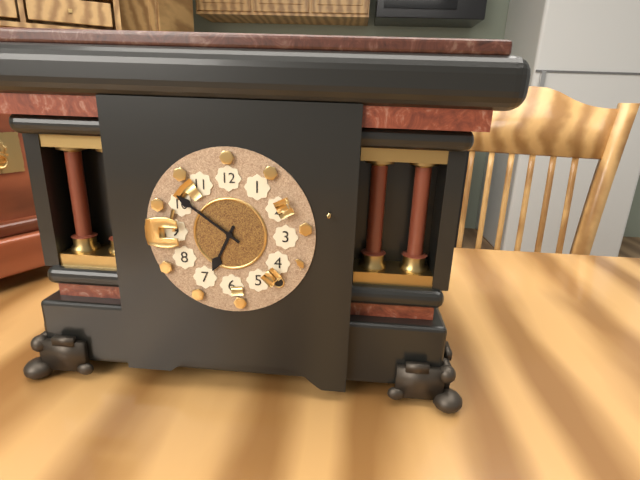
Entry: h=6 m=51
